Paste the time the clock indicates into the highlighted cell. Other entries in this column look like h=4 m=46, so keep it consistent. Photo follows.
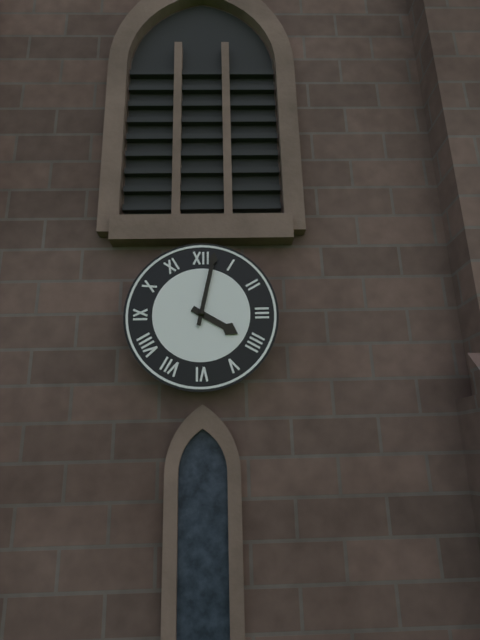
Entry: h=4 m=2
